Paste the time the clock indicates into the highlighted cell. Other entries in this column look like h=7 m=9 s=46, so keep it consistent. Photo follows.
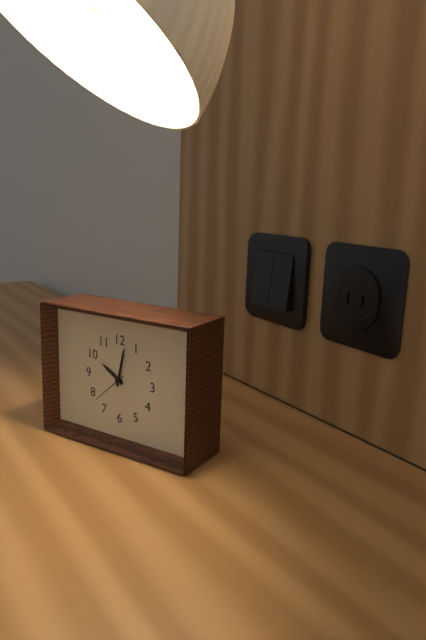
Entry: h=10 m=2 s=38
